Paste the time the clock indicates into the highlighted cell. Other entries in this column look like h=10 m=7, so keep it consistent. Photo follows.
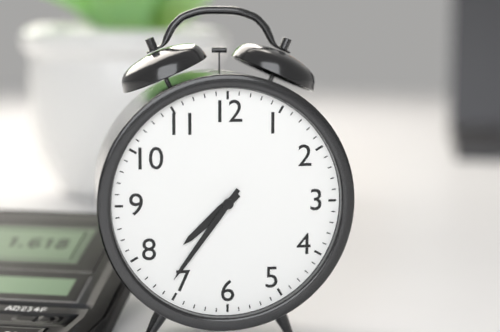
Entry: h=7 m=36
